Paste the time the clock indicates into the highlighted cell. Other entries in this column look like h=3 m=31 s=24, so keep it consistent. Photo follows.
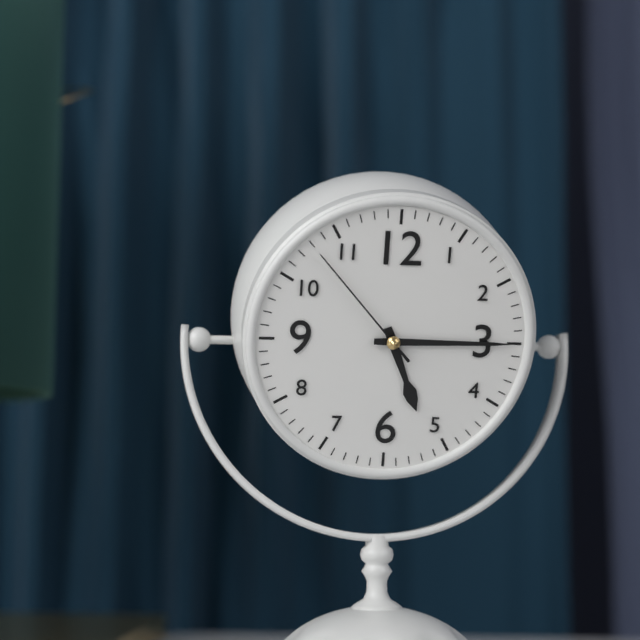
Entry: h=5 m=15 s=53
